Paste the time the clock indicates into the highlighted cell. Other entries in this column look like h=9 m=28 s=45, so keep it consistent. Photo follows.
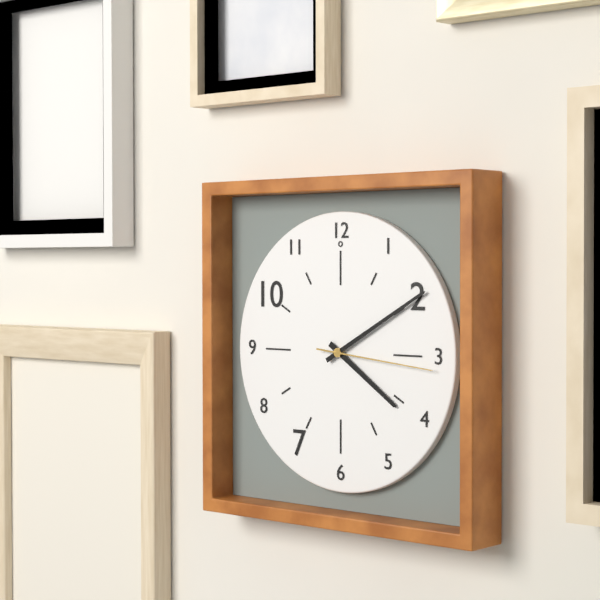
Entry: h=4 m=10 s=16
